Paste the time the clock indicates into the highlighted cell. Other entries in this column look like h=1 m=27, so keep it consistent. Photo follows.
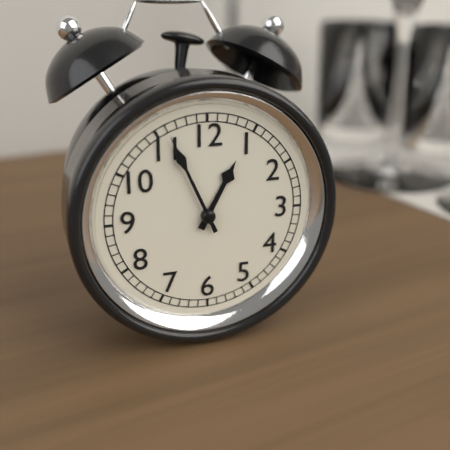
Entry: h=12 m=56
